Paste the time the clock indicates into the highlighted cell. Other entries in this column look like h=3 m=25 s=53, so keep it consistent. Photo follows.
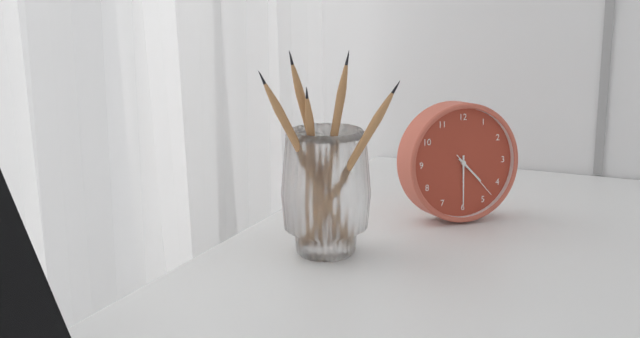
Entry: h=4 m=30 s=23
